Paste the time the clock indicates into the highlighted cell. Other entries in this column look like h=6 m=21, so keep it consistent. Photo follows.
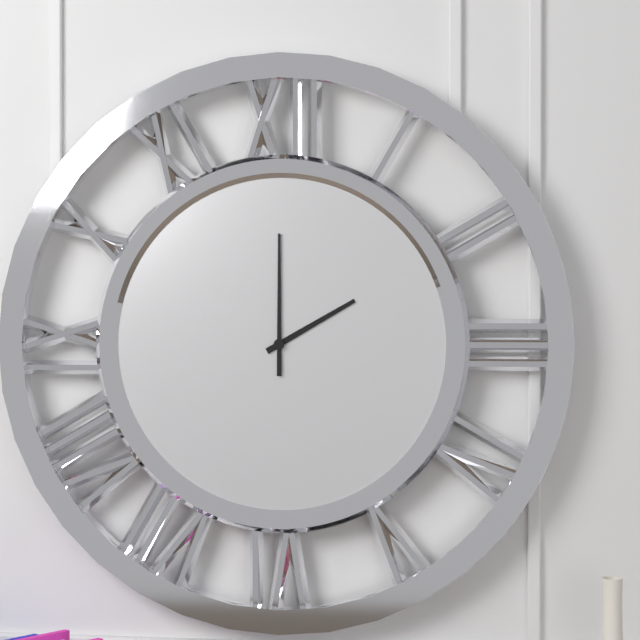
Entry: h=2 m=0
